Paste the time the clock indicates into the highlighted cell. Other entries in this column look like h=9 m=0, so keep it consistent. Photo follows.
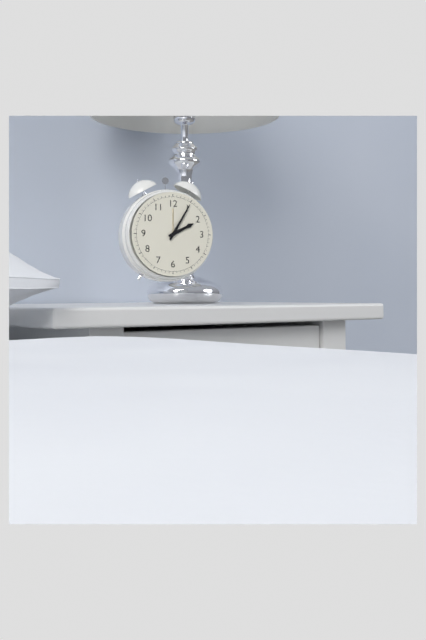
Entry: h=2 m=5
